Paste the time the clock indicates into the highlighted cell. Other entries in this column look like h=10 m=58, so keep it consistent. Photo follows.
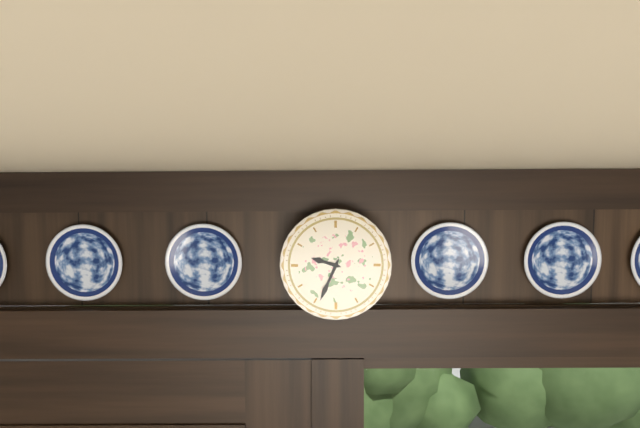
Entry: h=9 m=34
